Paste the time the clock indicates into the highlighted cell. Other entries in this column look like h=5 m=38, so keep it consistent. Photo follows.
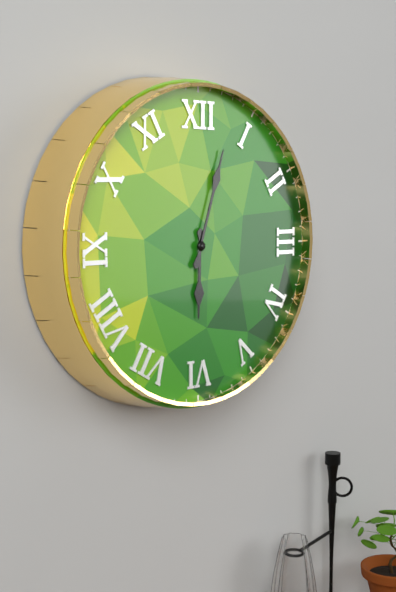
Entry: h=6 m=3
